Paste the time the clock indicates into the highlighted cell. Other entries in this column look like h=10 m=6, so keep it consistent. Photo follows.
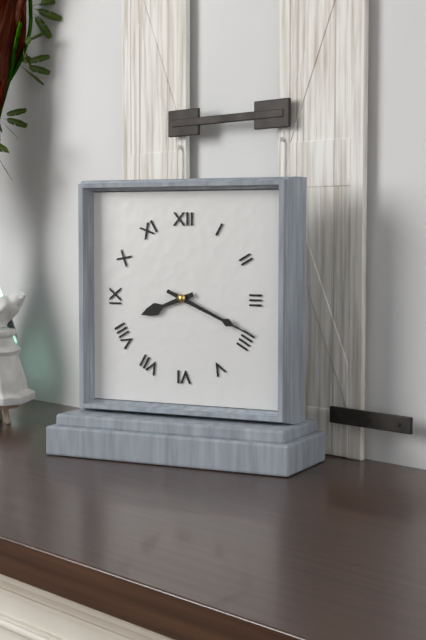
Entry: h=8 m=19
